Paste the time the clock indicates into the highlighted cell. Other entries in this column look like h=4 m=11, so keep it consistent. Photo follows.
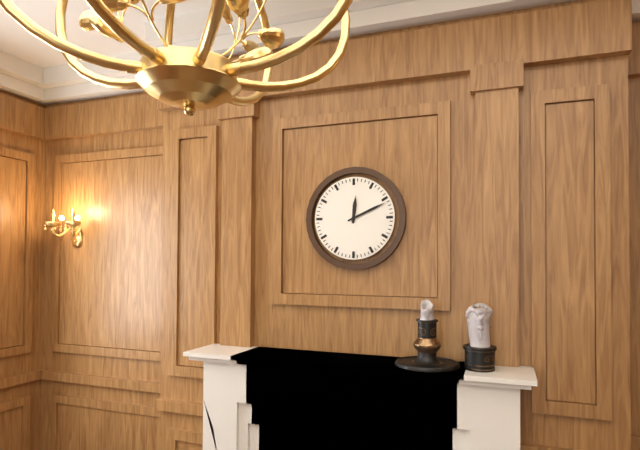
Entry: h=12 m=11
